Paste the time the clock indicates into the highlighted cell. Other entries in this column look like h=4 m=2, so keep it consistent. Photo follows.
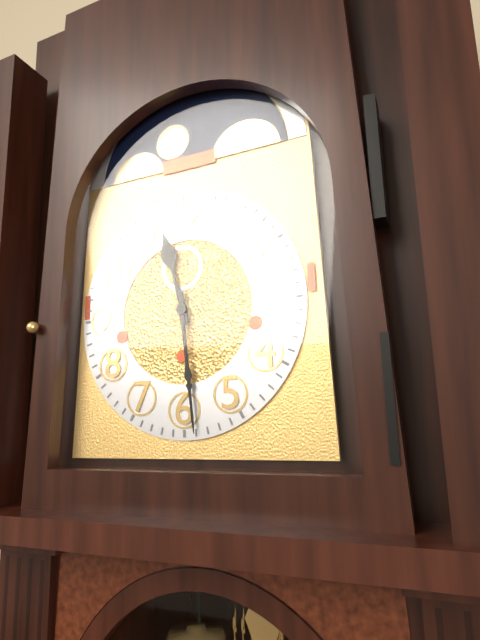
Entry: h=11 m=29
